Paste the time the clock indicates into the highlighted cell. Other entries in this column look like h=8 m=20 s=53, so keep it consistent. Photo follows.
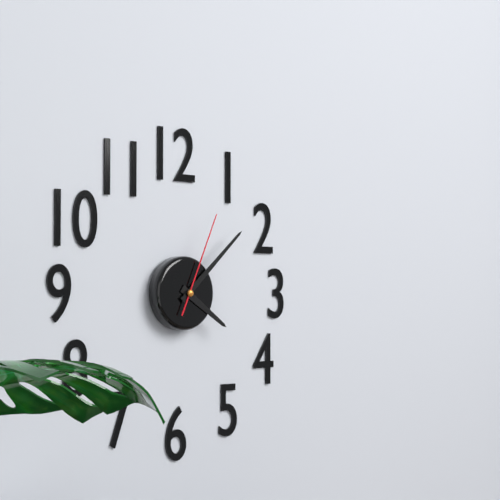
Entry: h=4 m=8 s=4
